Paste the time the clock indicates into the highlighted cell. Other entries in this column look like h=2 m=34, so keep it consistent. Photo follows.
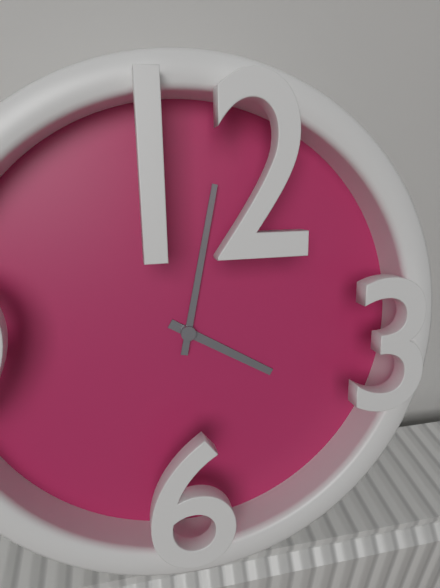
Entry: h=4 m=2
